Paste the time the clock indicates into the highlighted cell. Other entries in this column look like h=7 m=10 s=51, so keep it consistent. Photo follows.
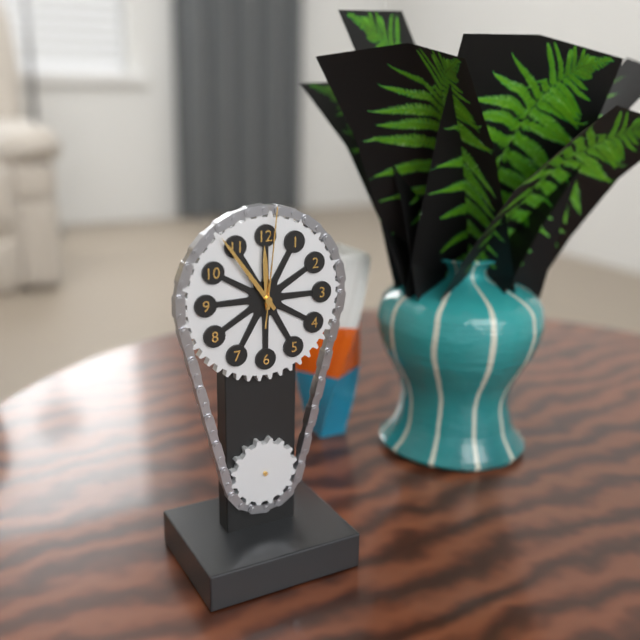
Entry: h=11 m=54 s=1
